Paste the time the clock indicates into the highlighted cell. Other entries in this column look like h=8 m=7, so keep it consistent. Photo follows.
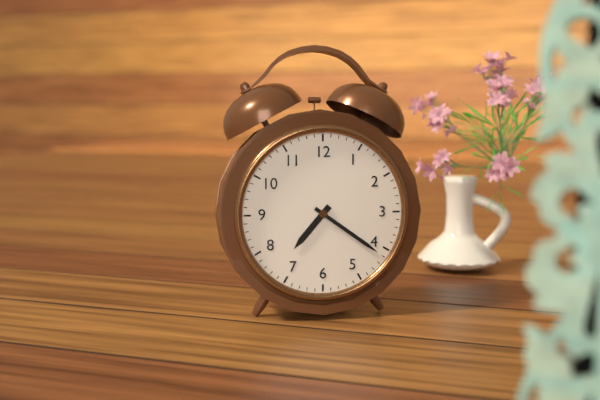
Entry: h=7 m=21
